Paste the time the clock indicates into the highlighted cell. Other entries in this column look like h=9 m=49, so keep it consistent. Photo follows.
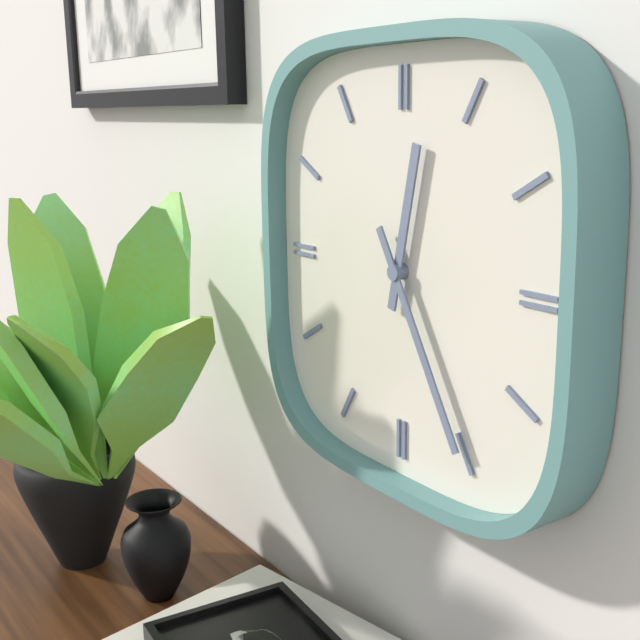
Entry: h=12 m=25
